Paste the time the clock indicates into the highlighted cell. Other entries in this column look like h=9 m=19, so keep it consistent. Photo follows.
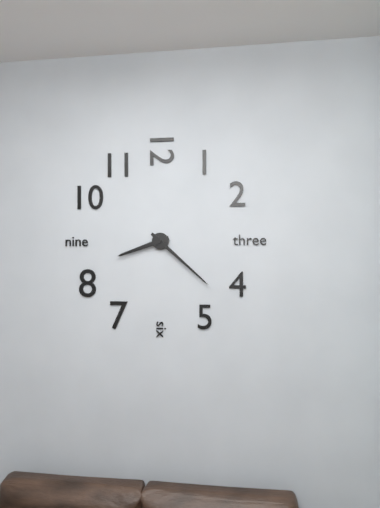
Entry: h=8 m=22
